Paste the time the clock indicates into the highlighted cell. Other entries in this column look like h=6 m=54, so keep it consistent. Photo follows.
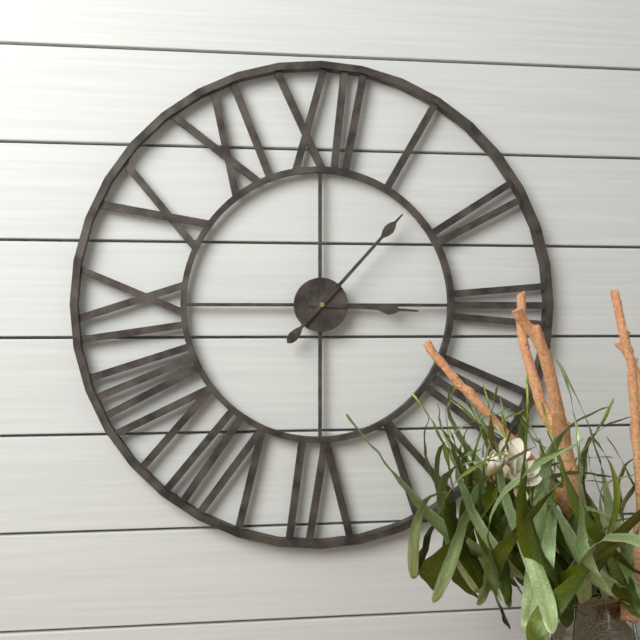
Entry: h=3 m=7
